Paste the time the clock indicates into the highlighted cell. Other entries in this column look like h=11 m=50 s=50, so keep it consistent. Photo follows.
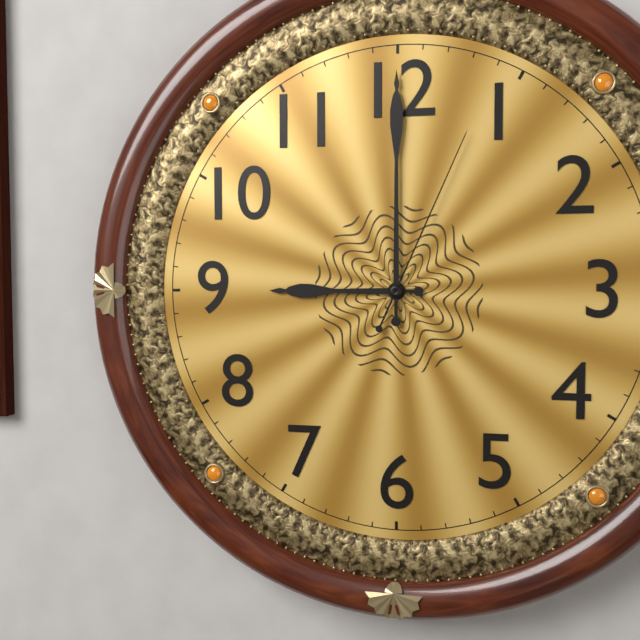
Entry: h=9 m=0 s=4
